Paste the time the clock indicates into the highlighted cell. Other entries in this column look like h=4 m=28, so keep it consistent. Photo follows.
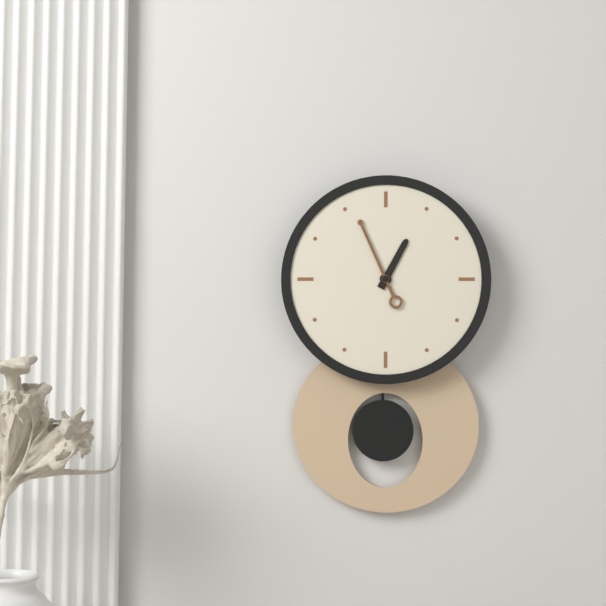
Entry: h=12 m=56
